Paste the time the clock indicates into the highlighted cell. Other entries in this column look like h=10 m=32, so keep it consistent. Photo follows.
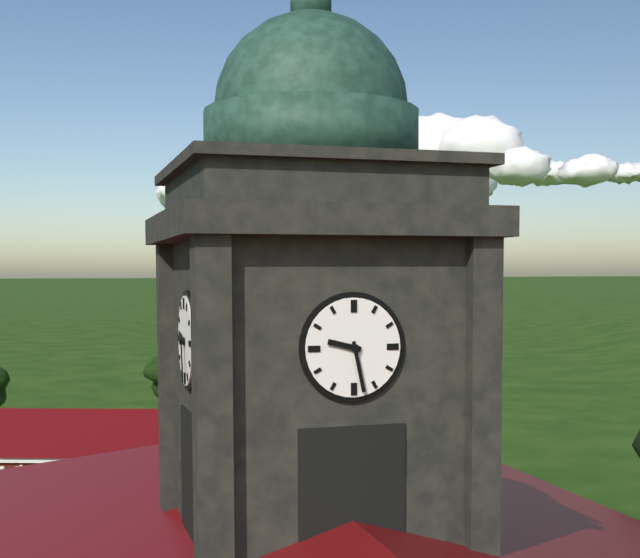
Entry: h=9 m=28
